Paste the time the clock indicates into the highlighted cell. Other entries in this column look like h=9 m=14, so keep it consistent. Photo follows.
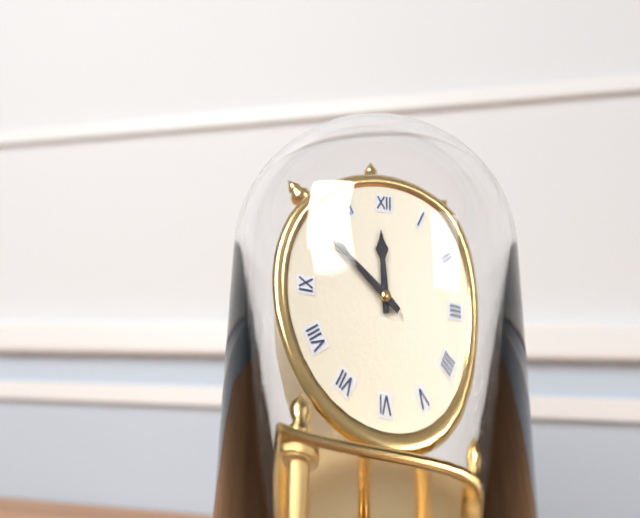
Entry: h=11 m=51
